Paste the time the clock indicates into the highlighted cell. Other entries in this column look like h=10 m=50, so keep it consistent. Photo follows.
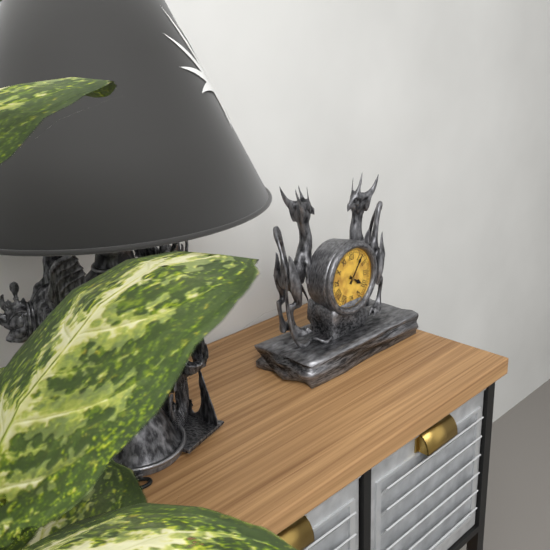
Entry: h=4 m=6
